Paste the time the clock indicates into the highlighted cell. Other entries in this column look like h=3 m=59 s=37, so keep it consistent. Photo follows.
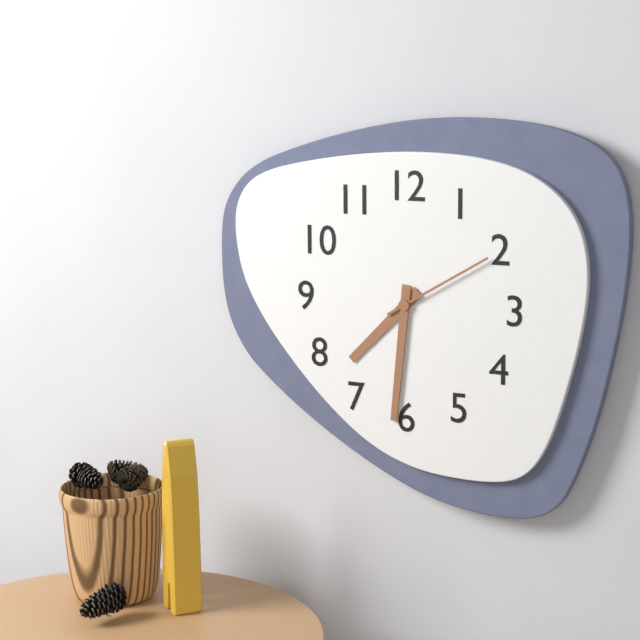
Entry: h=7 m=31 s=10
